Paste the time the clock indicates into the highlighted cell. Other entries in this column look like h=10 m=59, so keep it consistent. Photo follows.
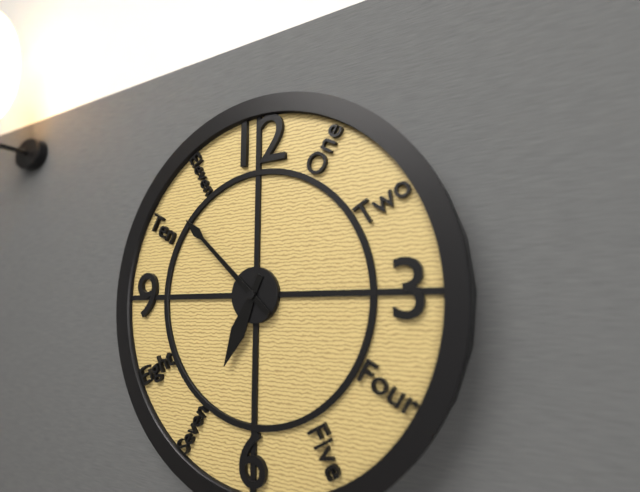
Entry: h=6 m=52
